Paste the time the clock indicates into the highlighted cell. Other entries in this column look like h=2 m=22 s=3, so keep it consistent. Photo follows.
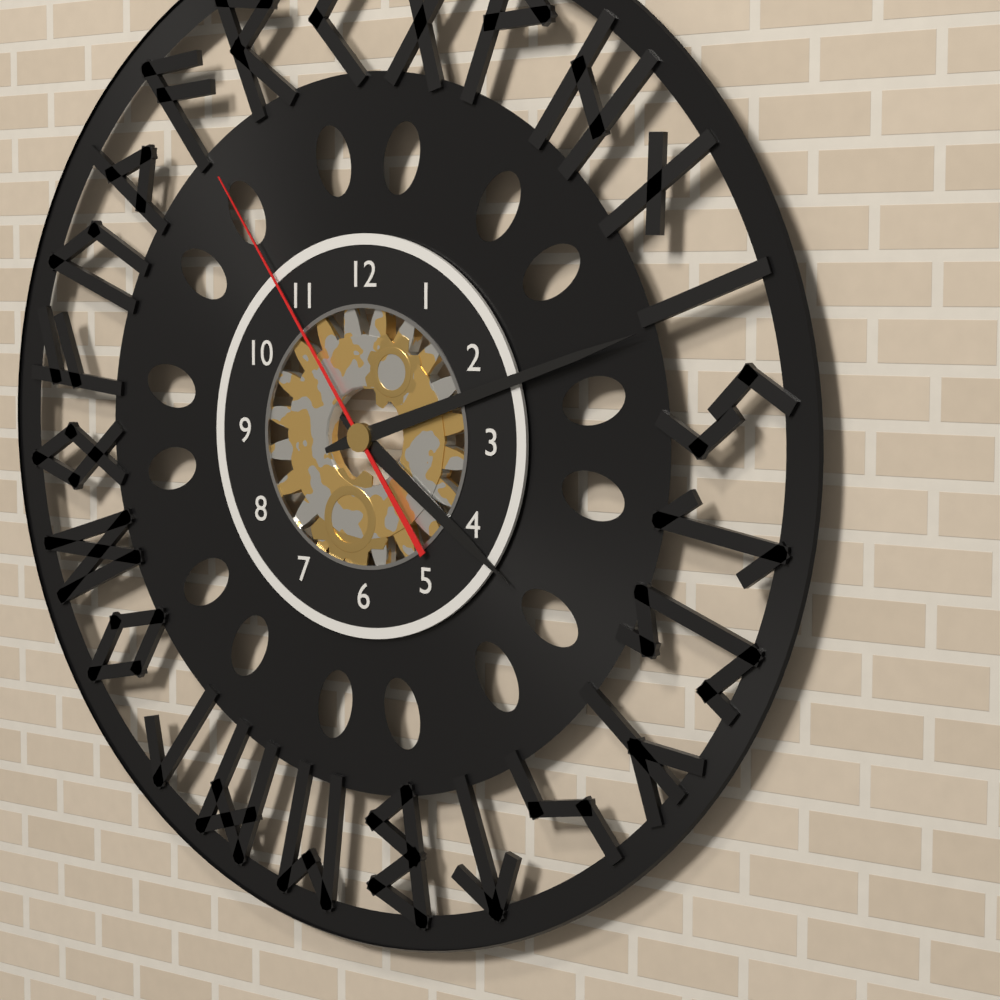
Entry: h=4 m=12 s=54
